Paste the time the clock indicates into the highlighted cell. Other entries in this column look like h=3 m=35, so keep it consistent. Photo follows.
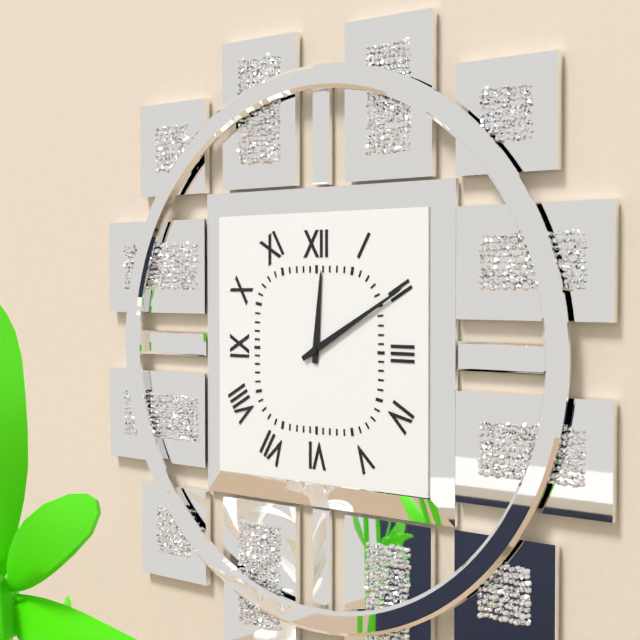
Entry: h=12 m=10
